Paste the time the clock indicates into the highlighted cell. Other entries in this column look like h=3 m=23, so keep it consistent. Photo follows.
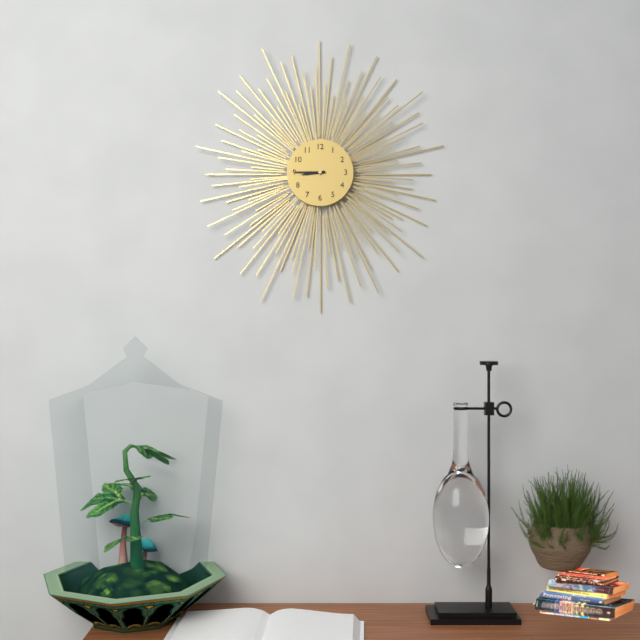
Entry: h=8 m=45
